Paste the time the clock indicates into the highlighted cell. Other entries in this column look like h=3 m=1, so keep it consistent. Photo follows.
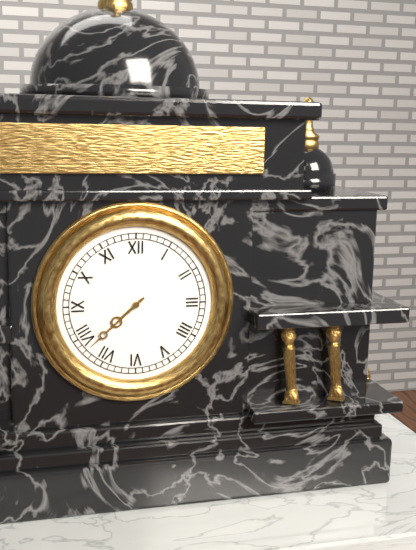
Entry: h=7 m=38
